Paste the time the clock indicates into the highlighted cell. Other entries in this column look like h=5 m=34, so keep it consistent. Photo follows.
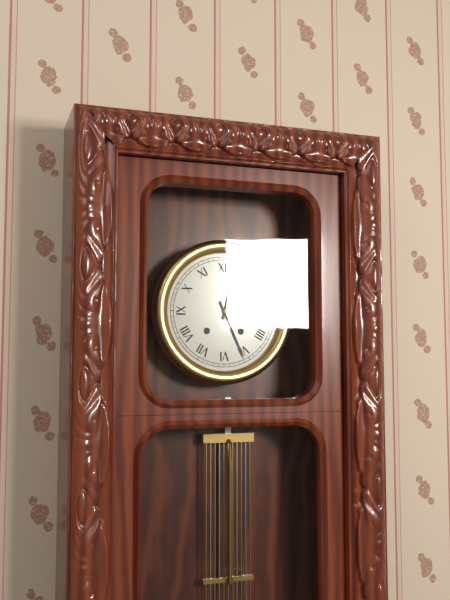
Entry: h=12 m=26
